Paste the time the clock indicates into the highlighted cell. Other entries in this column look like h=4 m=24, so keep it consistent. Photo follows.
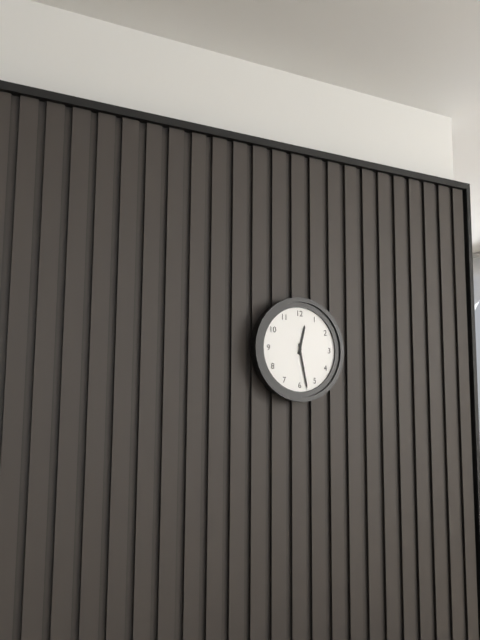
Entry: h=12 m=28
